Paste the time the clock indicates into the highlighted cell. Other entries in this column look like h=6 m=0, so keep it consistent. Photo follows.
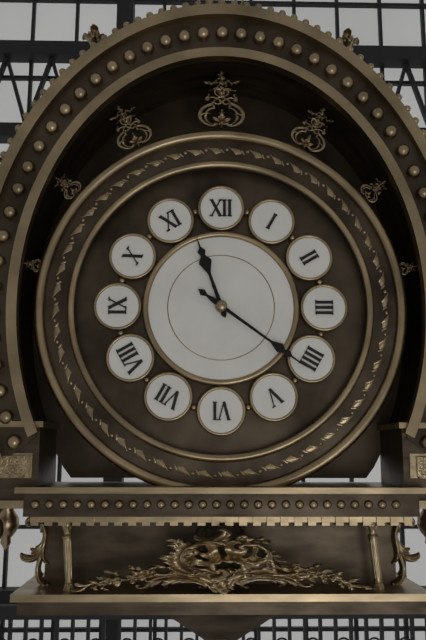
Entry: h=11 m=21
